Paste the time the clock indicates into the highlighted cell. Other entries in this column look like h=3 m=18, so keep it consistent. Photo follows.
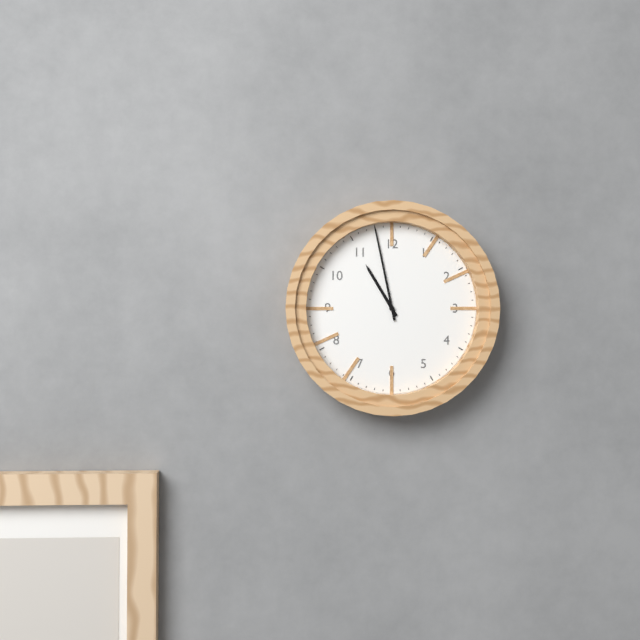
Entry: h=10 m=58
